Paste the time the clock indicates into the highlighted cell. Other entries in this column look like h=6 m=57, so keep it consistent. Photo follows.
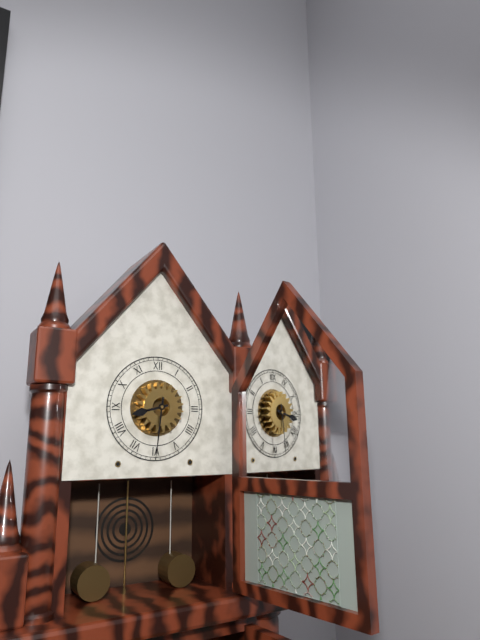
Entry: h=8 m=31
